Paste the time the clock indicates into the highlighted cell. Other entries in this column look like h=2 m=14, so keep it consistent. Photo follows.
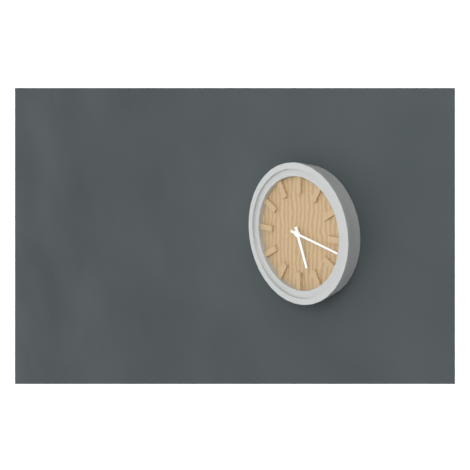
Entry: h=5 m=17
